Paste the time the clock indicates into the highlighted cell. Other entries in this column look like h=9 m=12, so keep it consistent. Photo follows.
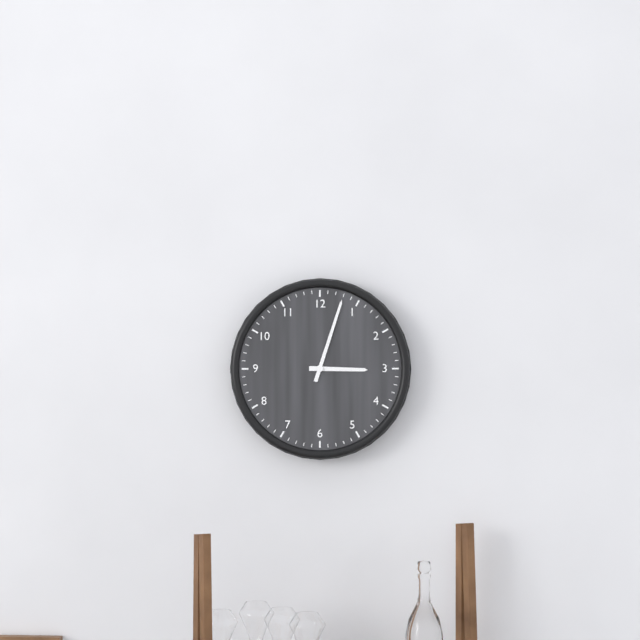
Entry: h=3 m=3
